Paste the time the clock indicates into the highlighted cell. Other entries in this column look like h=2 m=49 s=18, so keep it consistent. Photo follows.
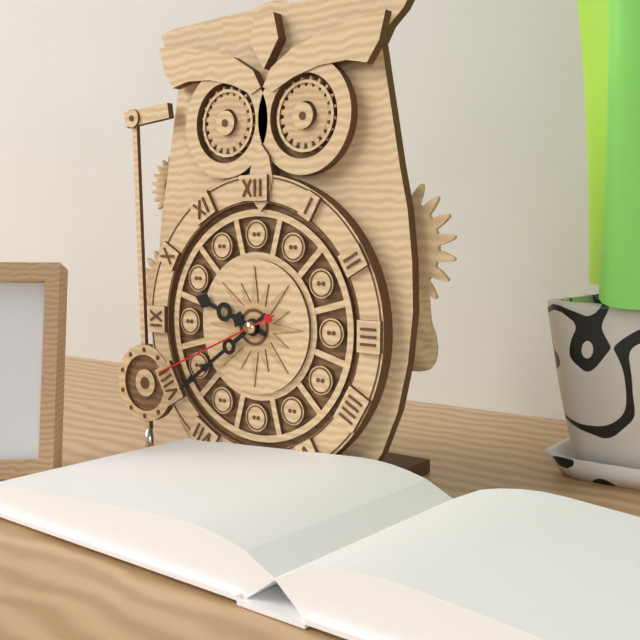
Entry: h=9 m=39 s=41
